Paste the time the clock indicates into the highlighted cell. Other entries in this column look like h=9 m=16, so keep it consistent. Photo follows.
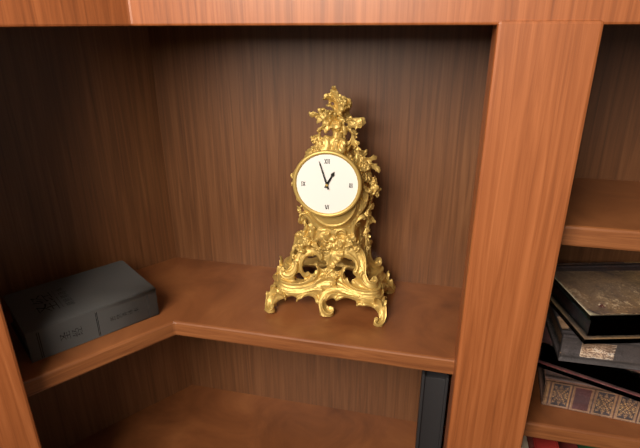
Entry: h=12 m=57
